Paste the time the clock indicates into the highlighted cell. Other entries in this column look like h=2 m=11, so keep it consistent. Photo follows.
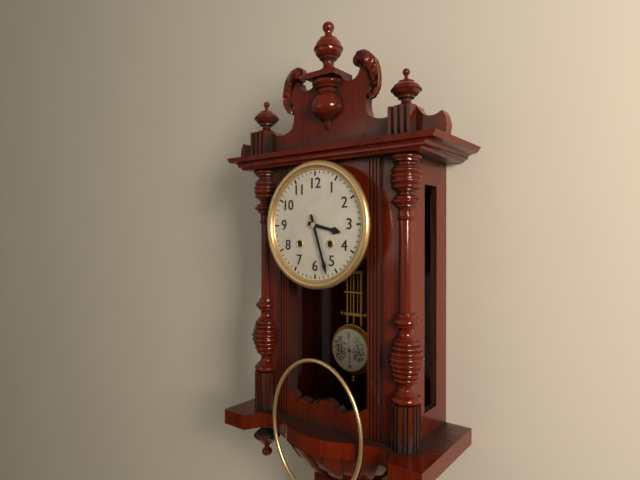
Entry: h=3 m=27
